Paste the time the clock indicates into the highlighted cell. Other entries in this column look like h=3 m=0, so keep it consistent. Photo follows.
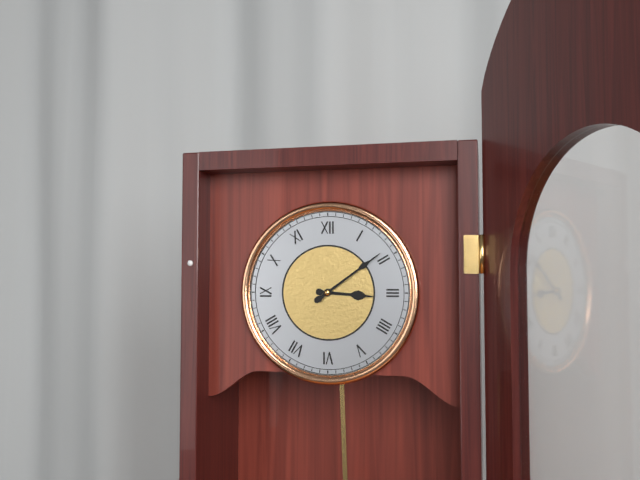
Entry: h=3 m=9
